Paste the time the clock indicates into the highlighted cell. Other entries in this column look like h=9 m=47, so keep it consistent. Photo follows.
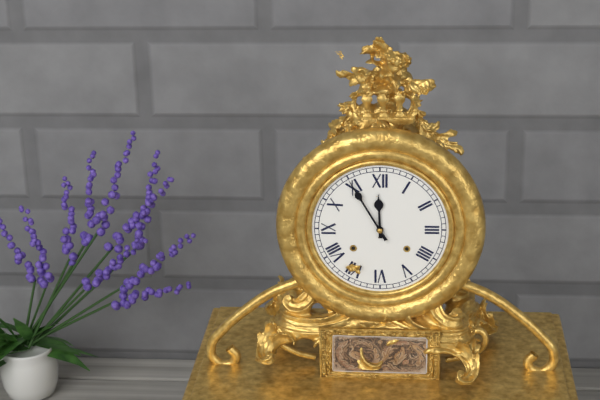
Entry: h=11 m=55
